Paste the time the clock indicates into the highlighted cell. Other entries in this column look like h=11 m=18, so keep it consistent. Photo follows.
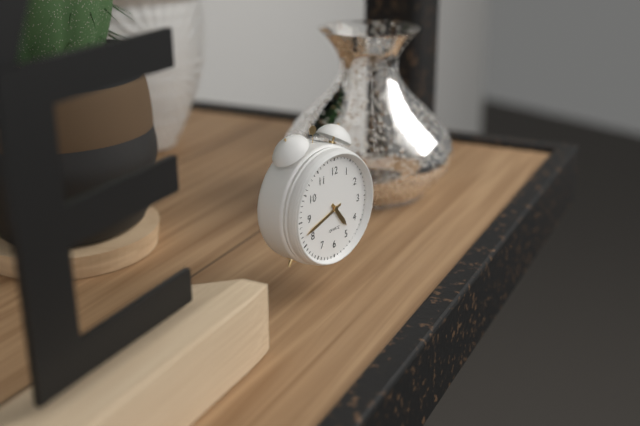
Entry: h=4 m=42
